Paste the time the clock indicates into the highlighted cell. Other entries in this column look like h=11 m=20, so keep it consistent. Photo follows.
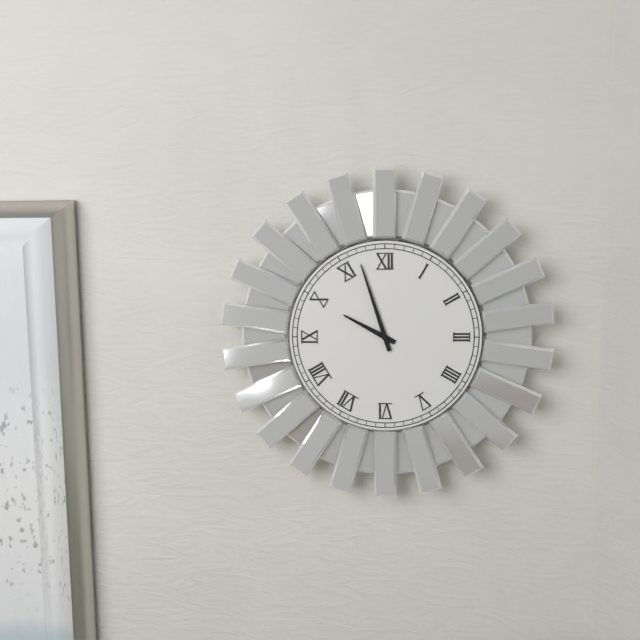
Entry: h=9 m=57
